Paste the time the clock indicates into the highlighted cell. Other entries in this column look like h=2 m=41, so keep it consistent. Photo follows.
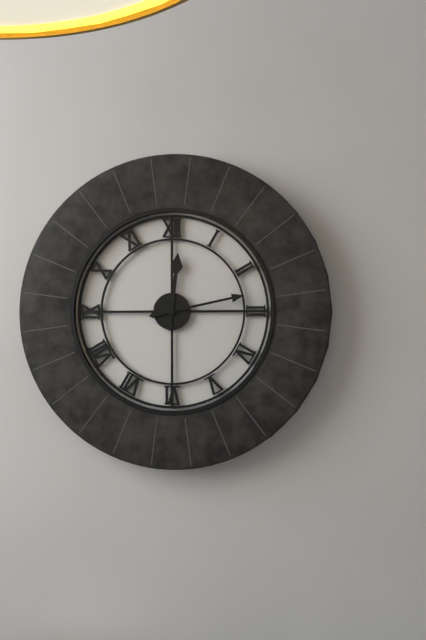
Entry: h=12 m=13
